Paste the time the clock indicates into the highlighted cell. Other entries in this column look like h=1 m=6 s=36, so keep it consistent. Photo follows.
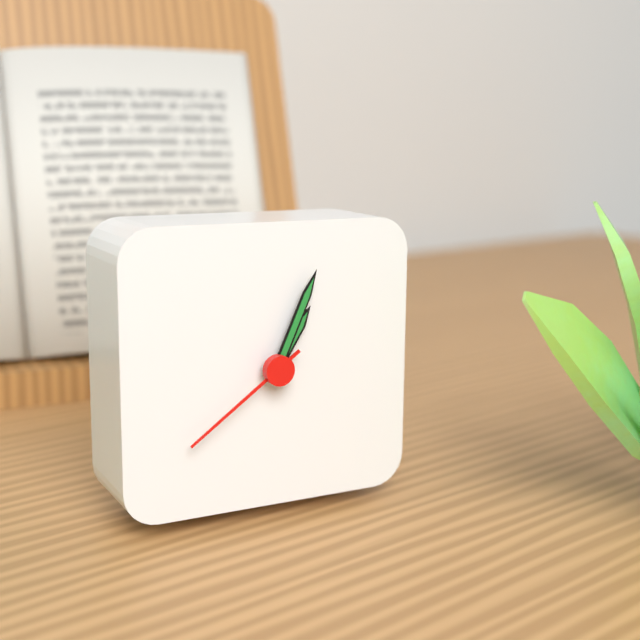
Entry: h=1 m=4 s=39
